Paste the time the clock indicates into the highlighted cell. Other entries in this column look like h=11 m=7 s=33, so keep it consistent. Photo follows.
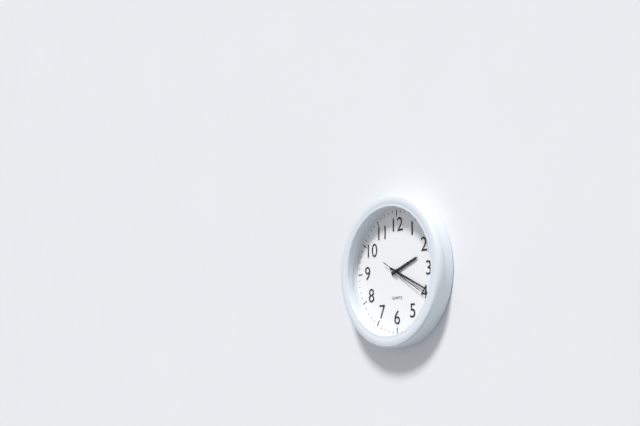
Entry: h=2 m=19 s=20
